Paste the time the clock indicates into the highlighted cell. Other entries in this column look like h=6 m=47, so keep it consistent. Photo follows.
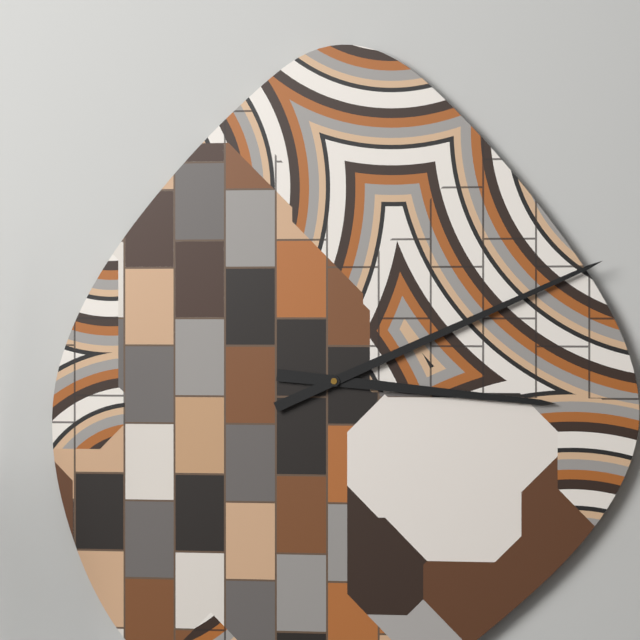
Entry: h=3 m=11
